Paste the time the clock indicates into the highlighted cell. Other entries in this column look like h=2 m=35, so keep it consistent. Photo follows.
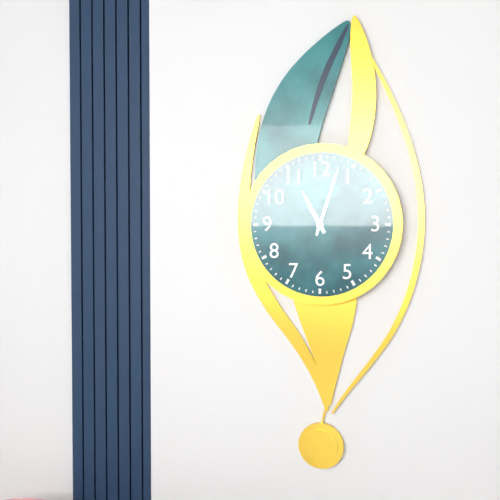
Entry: h=11 m=3
